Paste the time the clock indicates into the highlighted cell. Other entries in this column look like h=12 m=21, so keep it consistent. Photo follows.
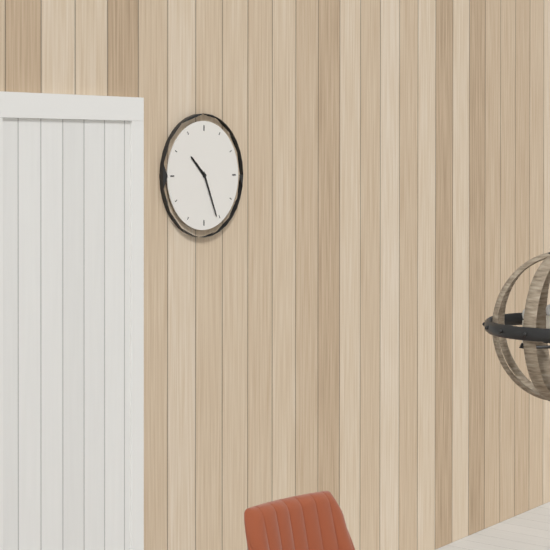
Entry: h=10 m=26
